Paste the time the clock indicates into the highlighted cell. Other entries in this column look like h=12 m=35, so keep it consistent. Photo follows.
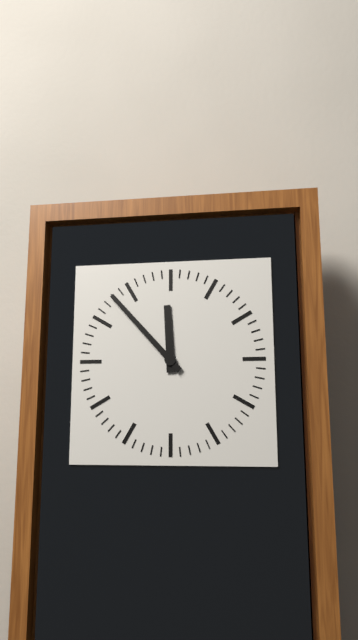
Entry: h=11 m=53
